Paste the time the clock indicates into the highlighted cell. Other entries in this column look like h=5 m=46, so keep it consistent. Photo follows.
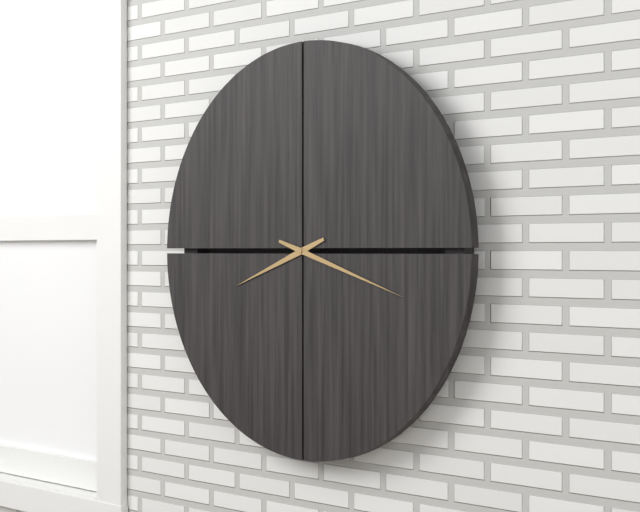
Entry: h=8 m=18
